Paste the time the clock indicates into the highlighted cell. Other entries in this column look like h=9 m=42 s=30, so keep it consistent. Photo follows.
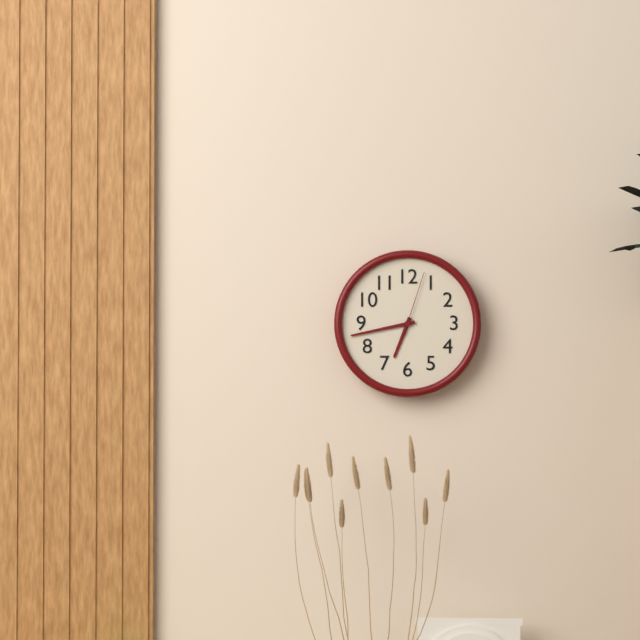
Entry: h=6 m=43 s=3
